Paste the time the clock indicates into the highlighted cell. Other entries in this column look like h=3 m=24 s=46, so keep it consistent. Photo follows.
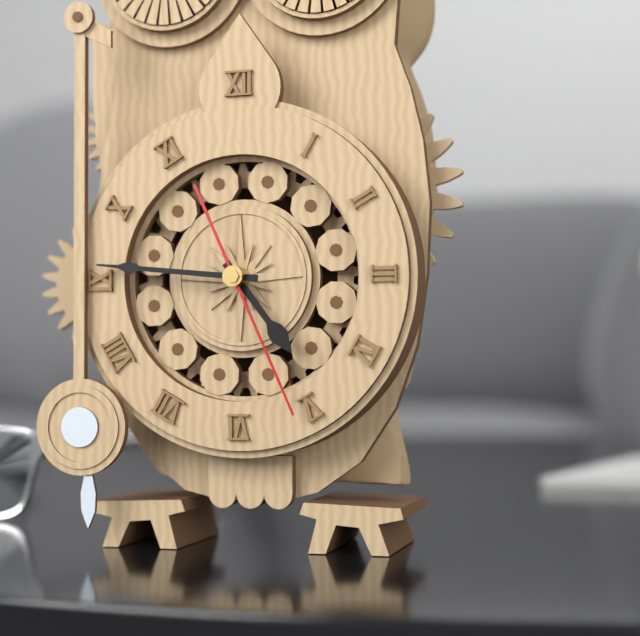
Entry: h=4 m=46 s=26
